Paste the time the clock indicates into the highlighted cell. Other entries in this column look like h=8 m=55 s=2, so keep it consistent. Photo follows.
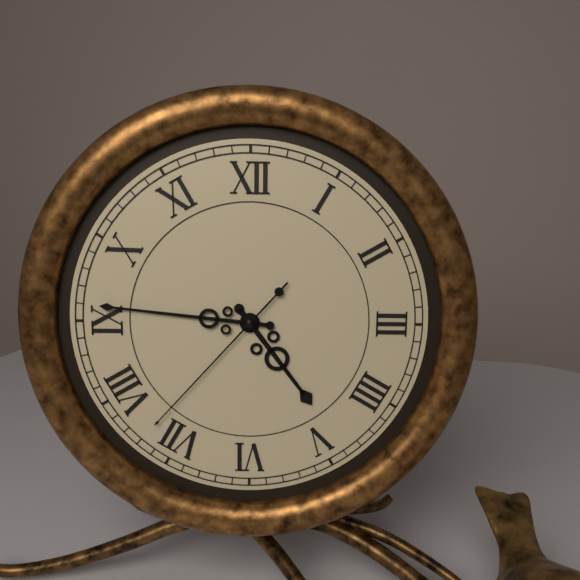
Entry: h=4 m=46 s=37
